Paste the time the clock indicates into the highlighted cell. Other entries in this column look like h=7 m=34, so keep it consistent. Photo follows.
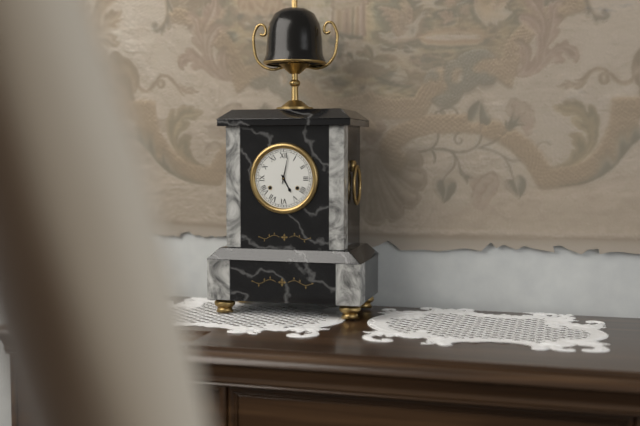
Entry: h=5 m=2
